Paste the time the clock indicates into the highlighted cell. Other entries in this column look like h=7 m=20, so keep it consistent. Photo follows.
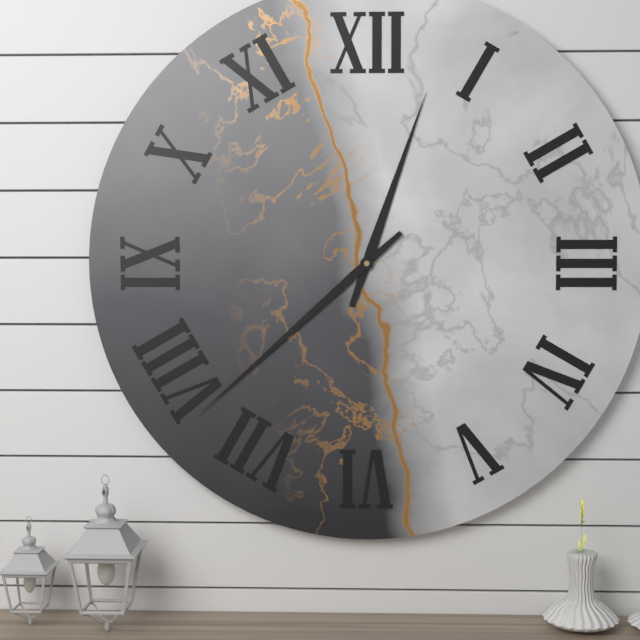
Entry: h=12 m=38
